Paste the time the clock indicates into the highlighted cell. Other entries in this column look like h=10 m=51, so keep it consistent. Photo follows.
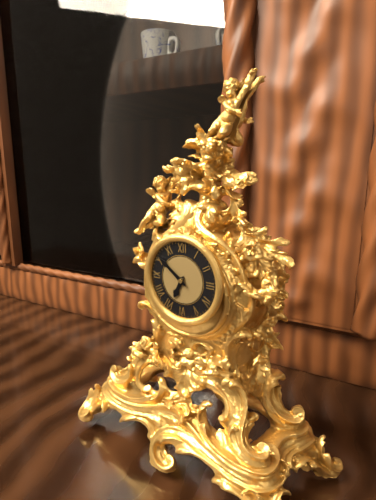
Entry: h=6 m=51
